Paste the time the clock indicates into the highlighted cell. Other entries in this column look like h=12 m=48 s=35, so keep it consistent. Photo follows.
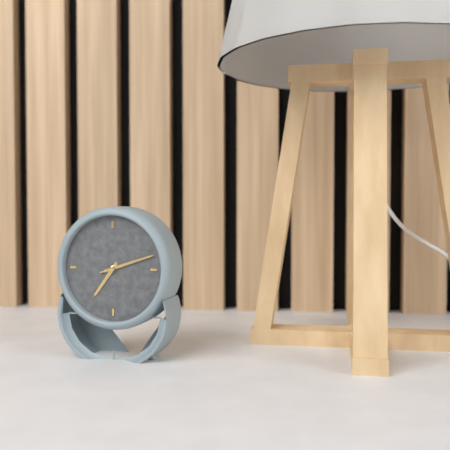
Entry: h=7 m=12 s=12
